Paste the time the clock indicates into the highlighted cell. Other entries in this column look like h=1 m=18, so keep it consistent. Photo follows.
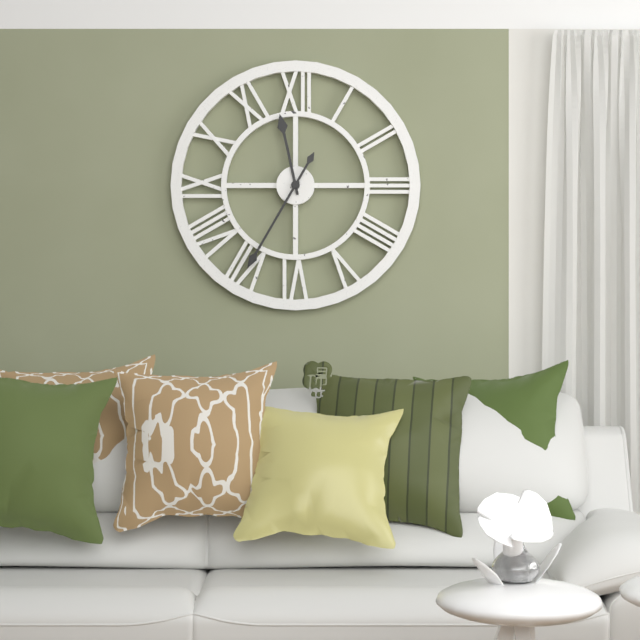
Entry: h=11 m=35
